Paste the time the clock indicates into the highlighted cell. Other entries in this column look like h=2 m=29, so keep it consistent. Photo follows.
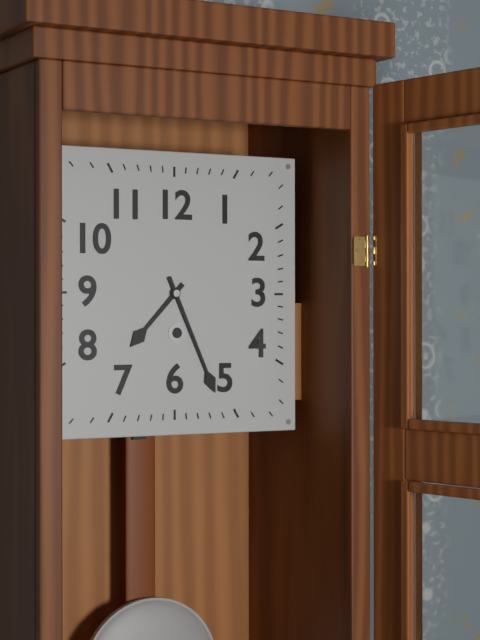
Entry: h=7 m=26
